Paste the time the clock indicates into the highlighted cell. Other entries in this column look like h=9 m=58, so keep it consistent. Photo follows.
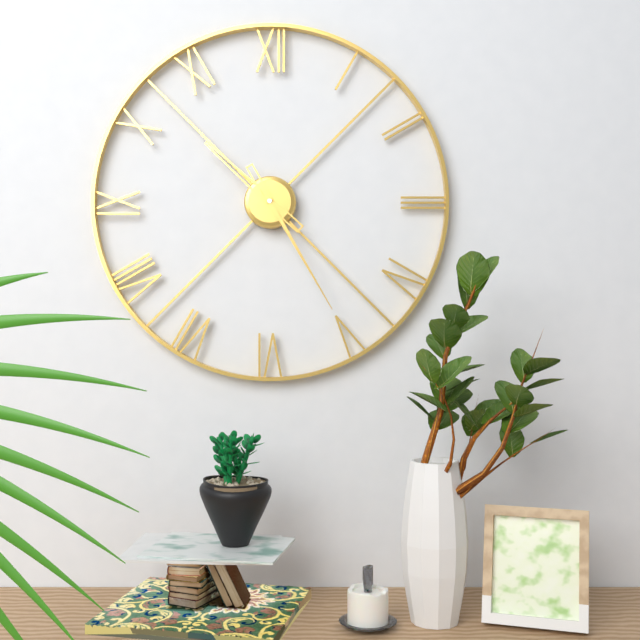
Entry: h=10 m=25
